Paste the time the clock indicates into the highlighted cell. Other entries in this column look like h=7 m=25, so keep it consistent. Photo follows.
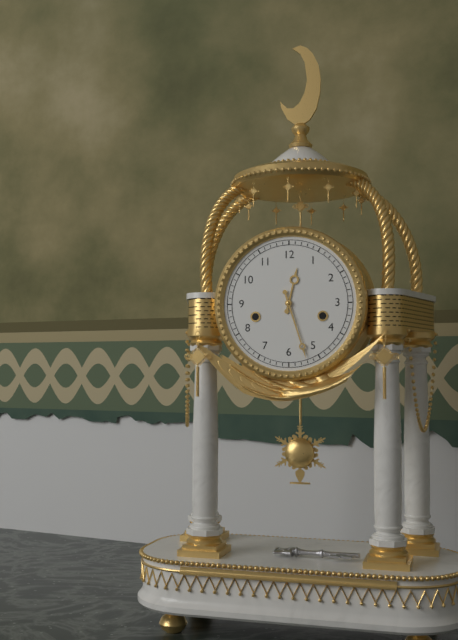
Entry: h=12 m=27
